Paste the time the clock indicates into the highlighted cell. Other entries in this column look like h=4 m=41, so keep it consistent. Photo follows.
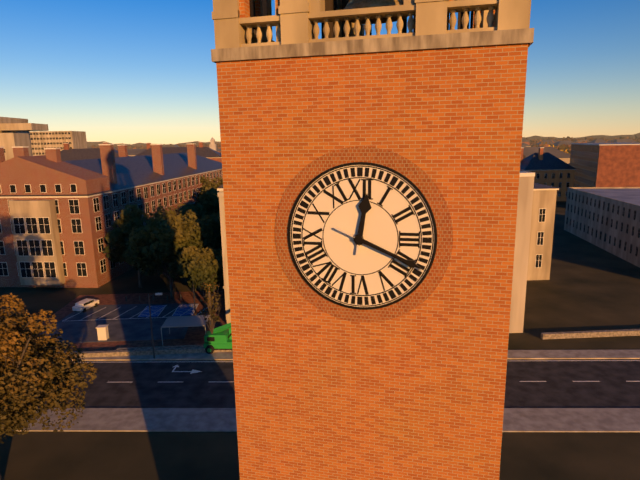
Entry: h=12 m=19
